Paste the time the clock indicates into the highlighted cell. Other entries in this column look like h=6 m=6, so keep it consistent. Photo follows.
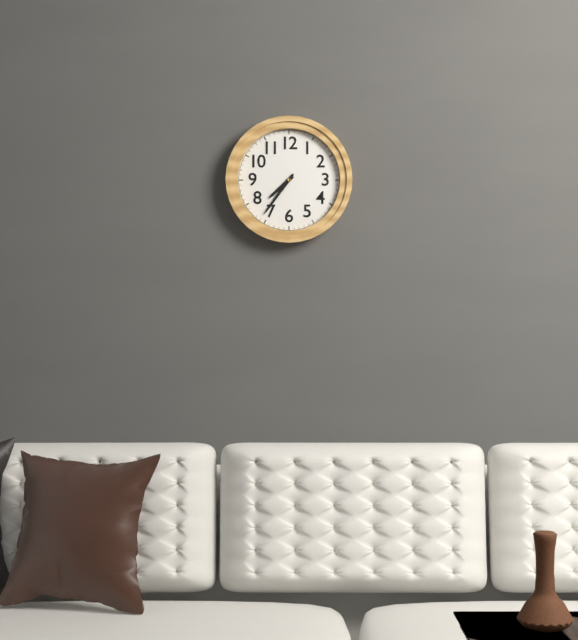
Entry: h=7 m=36
